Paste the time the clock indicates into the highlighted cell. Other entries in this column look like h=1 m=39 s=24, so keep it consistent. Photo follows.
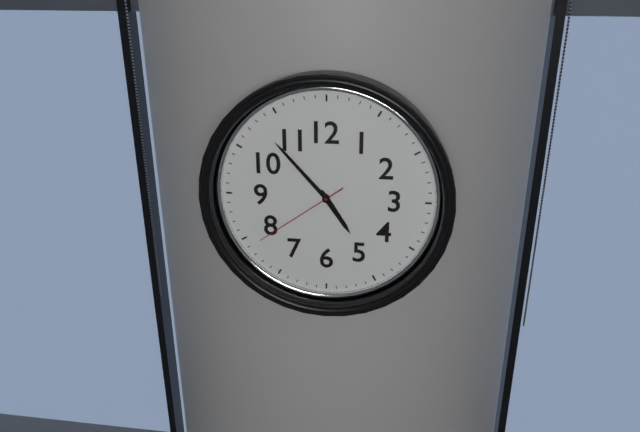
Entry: h=4 m=53 s=39
